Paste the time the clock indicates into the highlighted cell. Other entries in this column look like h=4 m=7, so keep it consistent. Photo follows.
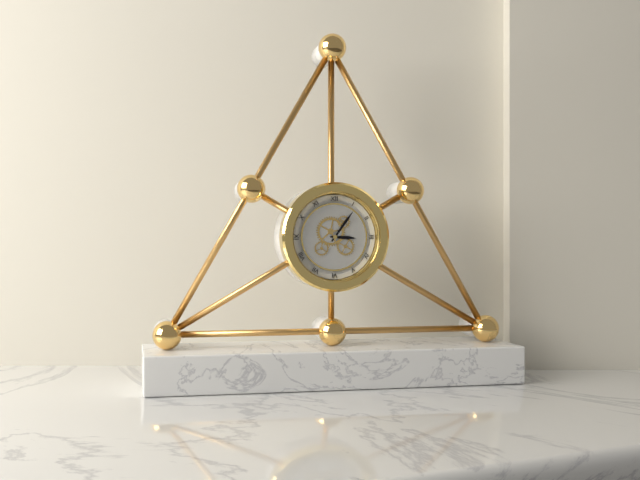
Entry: h=3 m=6
